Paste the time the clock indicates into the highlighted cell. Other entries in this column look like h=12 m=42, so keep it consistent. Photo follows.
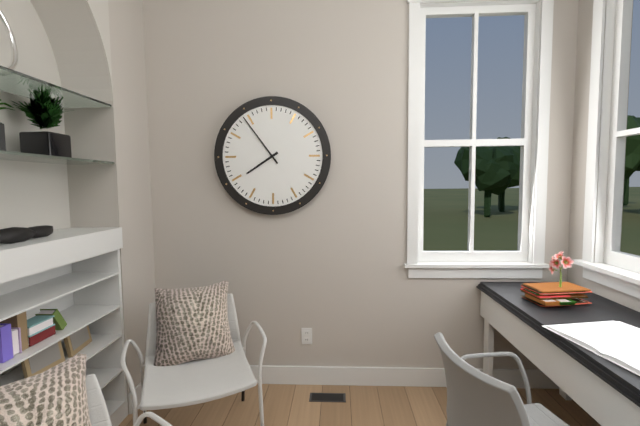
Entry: h=7 m=54
